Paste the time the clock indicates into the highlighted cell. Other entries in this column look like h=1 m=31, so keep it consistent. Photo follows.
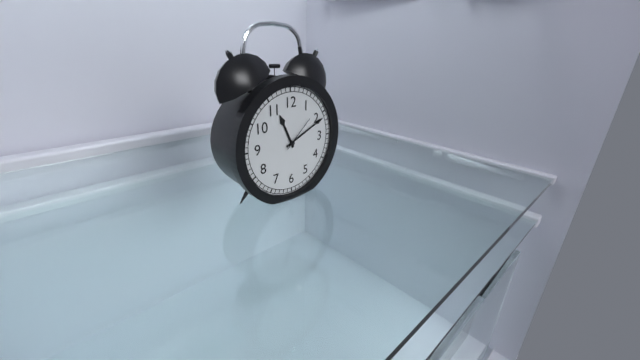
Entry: h=11 m=11
